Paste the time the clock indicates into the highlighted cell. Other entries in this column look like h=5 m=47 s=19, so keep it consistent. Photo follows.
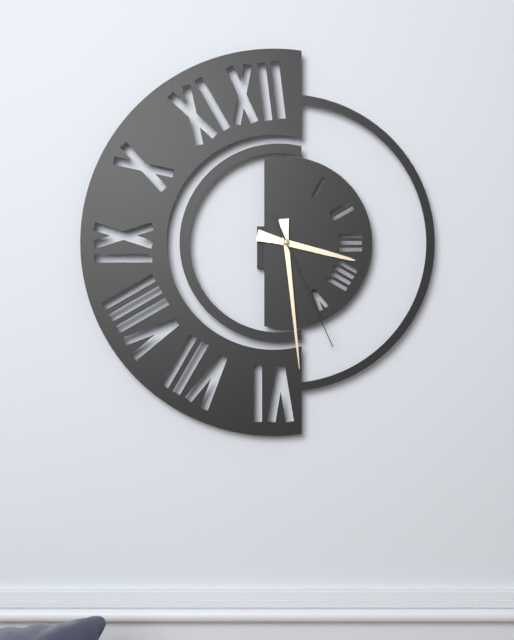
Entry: h=3 m=29 s=26
